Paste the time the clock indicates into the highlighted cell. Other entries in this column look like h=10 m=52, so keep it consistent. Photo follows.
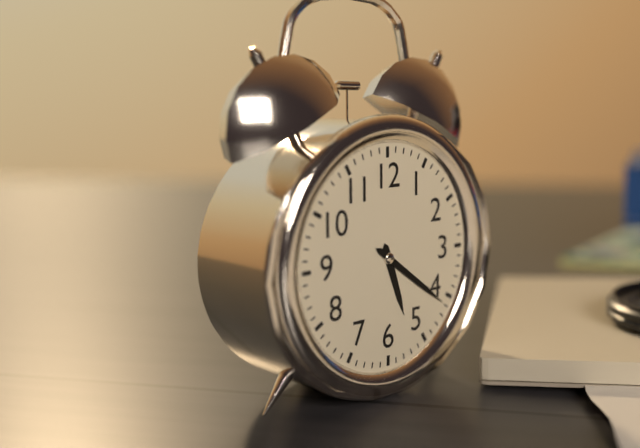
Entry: h=5 m=21
